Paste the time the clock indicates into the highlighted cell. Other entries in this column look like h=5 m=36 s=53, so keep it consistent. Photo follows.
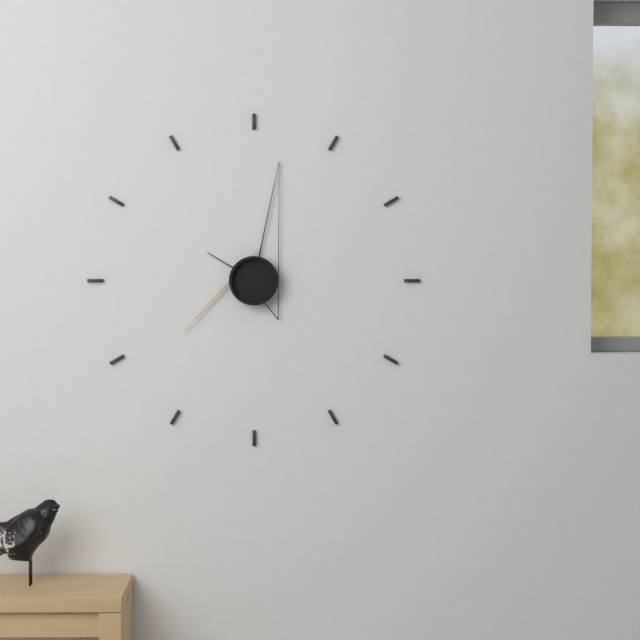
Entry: h=10 m=2 s=39
